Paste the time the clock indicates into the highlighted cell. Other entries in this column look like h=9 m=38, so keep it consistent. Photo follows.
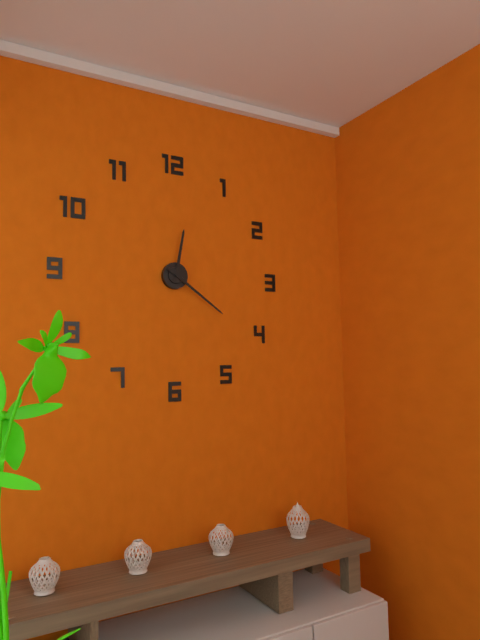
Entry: h=12 m=21
